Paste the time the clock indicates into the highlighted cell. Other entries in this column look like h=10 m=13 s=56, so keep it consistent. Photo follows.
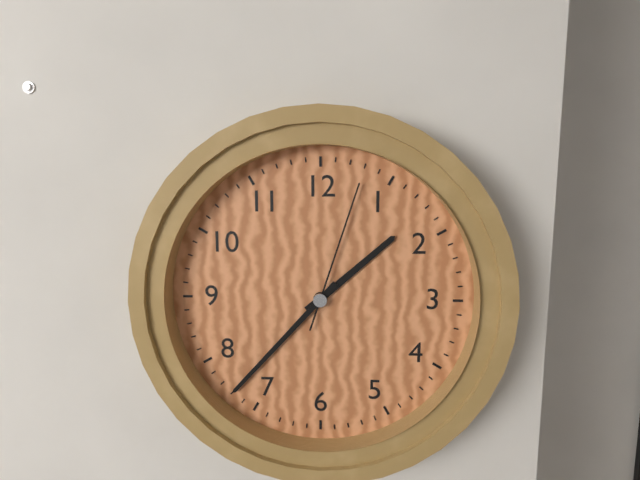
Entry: h=1 m=37 s=3
